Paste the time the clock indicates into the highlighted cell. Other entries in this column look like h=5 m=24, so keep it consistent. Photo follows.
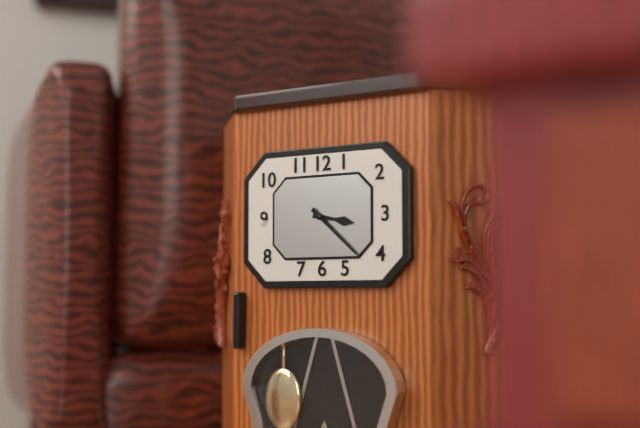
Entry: h=3 m=22
